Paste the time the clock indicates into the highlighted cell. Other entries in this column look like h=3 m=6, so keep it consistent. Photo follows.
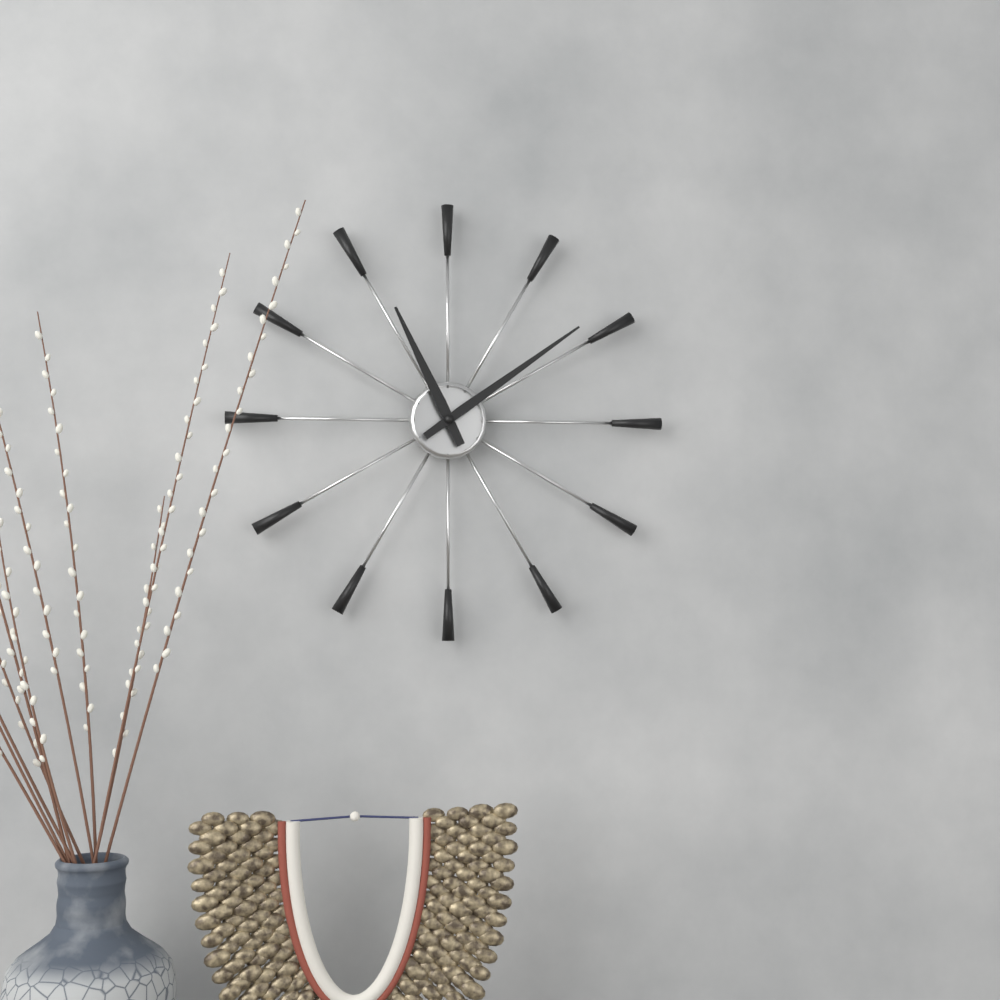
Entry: h=11 m=9
